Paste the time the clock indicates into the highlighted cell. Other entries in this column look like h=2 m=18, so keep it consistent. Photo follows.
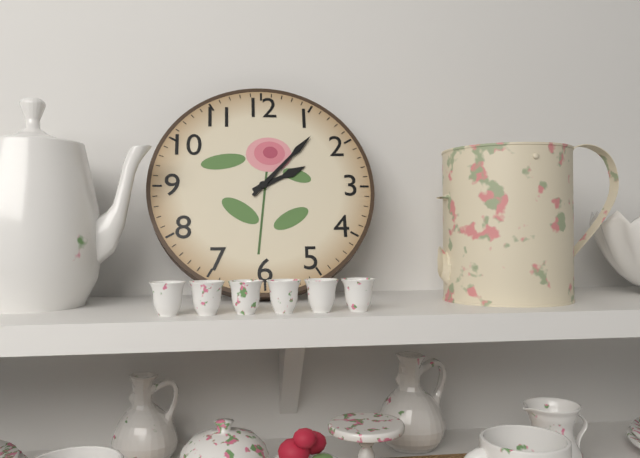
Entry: h=2 m=7
